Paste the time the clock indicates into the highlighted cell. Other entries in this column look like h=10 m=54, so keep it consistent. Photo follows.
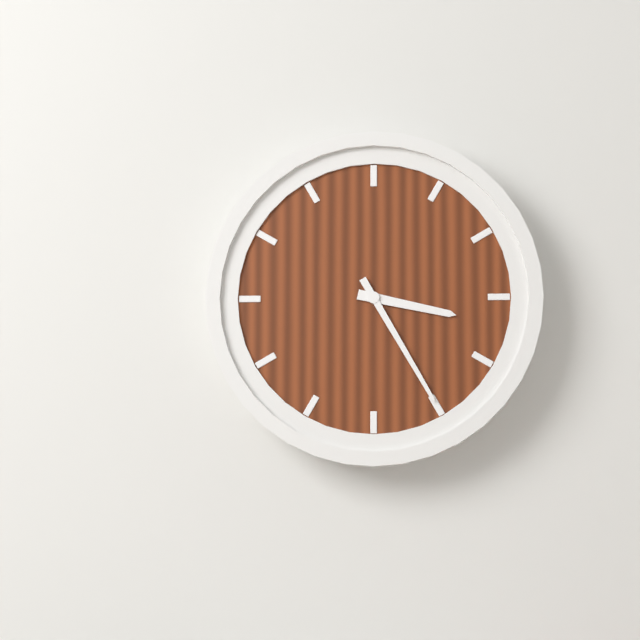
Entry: h=3 m=25
